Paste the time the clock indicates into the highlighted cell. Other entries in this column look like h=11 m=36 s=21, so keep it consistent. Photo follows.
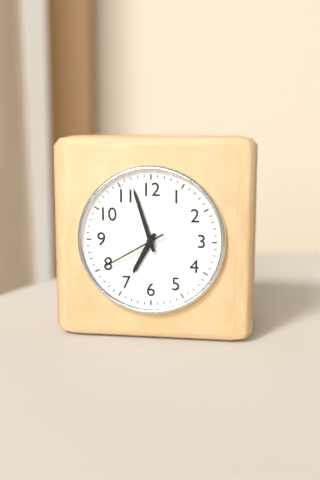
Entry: h=6 m=57 s=40
